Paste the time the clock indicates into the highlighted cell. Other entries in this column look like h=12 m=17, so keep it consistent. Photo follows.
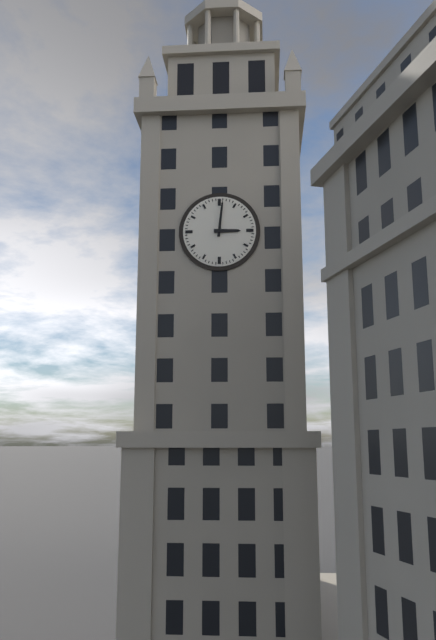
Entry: h=3 m=1
